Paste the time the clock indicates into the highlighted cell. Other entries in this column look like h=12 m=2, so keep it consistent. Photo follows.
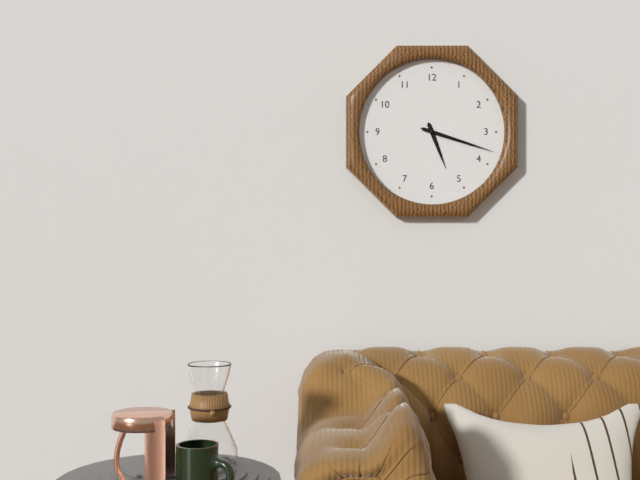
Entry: h=5 m=18
